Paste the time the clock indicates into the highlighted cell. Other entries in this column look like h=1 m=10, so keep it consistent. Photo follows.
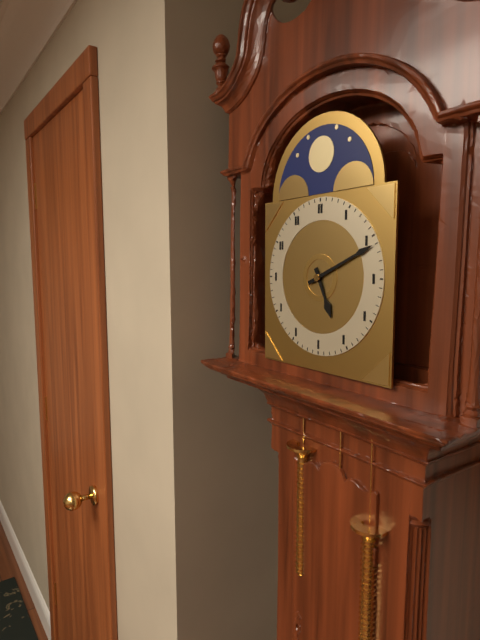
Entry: h=5 m=11
